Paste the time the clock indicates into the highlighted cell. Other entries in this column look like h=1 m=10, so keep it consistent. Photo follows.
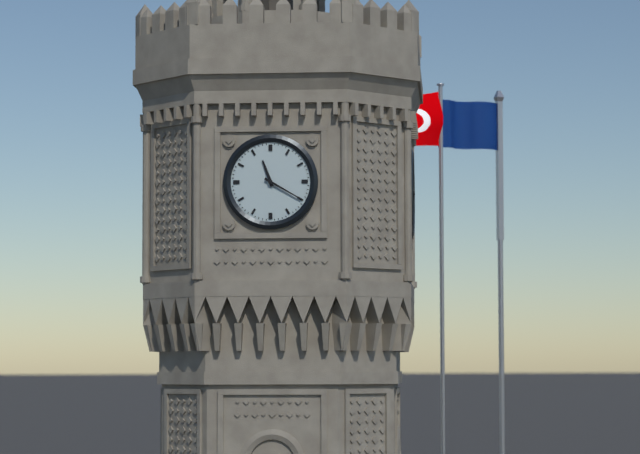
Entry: h=11 m=20
